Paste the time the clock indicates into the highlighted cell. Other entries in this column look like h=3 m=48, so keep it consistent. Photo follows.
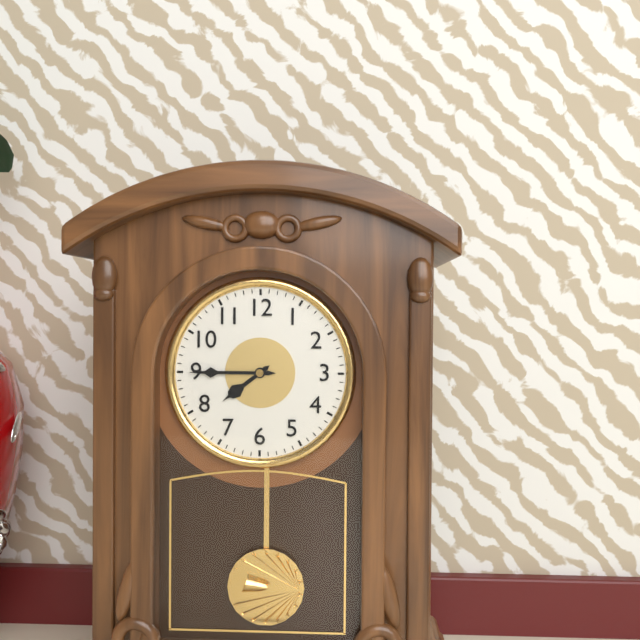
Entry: h=7 m=45
